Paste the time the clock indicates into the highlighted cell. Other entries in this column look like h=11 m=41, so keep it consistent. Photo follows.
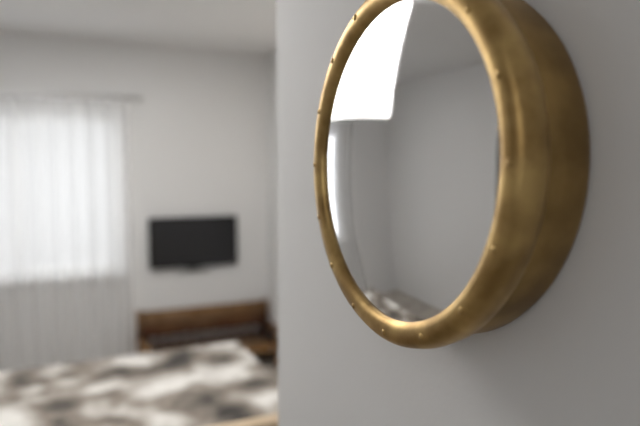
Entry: h=4 m=13
